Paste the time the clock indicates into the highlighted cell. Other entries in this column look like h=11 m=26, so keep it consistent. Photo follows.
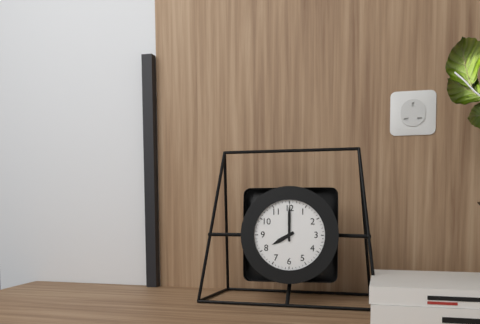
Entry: h=8 m=0
